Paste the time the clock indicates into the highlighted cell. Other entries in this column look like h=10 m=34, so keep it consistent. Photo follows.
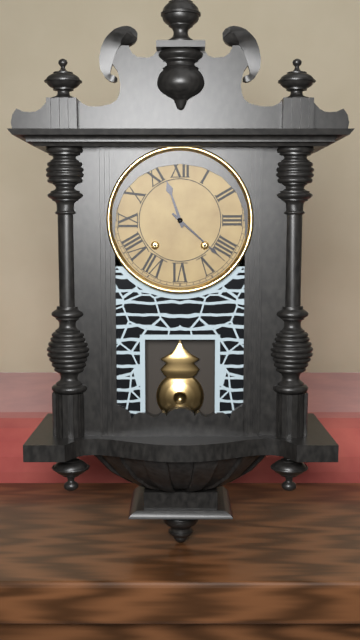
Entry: h=11 m=22
